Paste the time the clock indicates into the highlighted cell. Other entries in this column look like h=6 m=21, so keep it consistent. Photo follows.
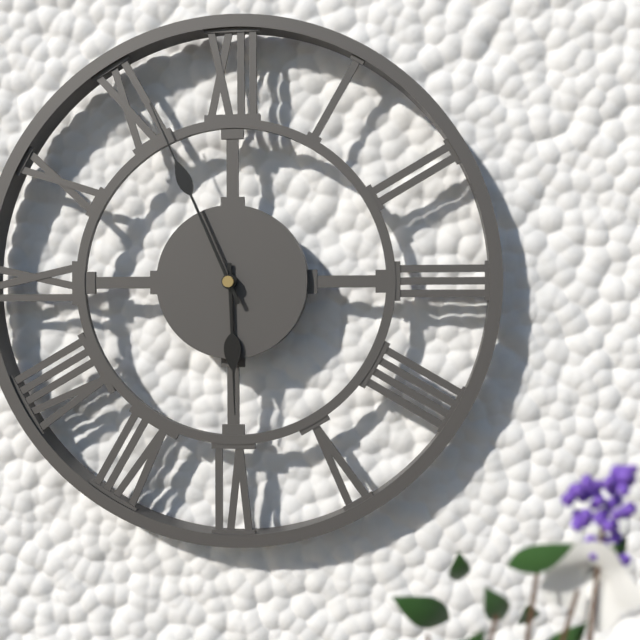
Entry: h=5 m=56
